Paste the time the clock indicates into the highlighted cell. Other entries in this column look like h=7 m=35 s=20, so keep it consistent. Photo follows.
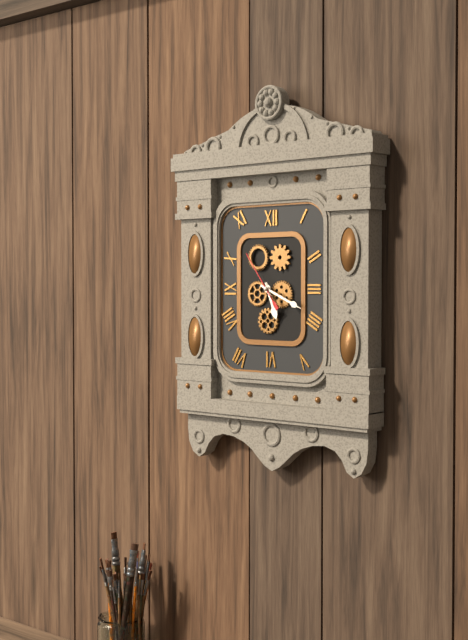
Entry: h=5 m=19 s=54
